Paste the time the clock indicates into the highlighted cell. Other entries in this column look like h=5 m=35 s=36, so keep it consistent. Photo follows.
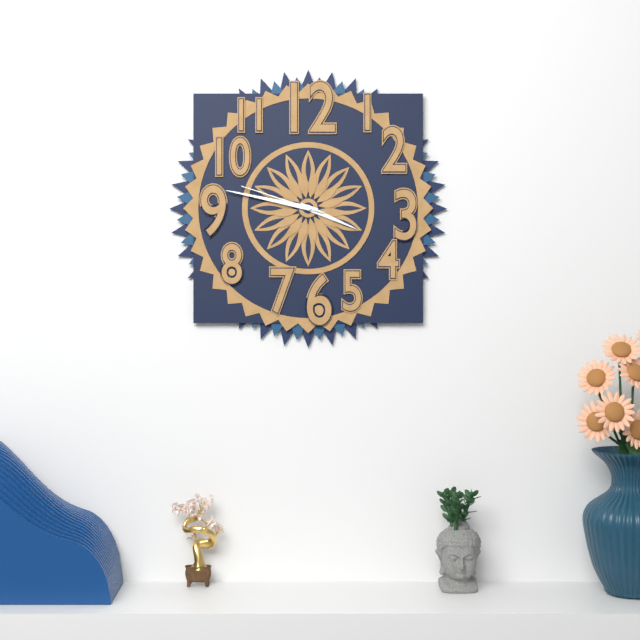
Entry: h=3 m=47 s=48
